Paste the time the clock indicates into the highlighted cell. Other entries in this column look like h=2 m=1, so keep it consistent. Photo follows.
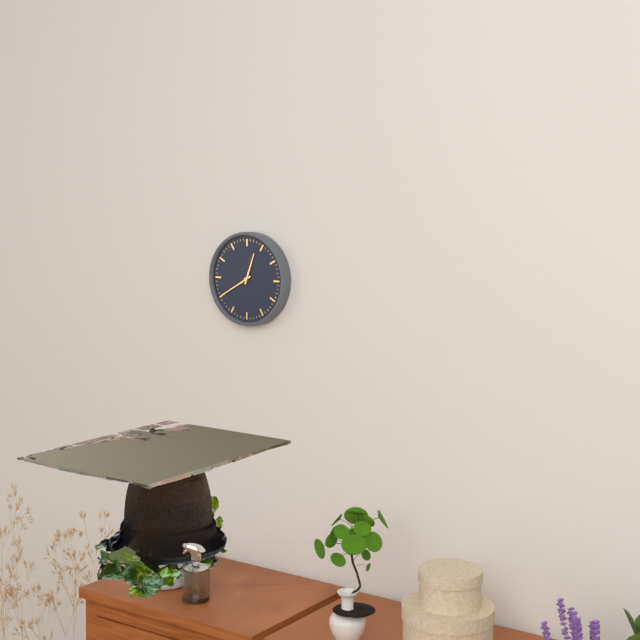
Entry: h=12 m=40
